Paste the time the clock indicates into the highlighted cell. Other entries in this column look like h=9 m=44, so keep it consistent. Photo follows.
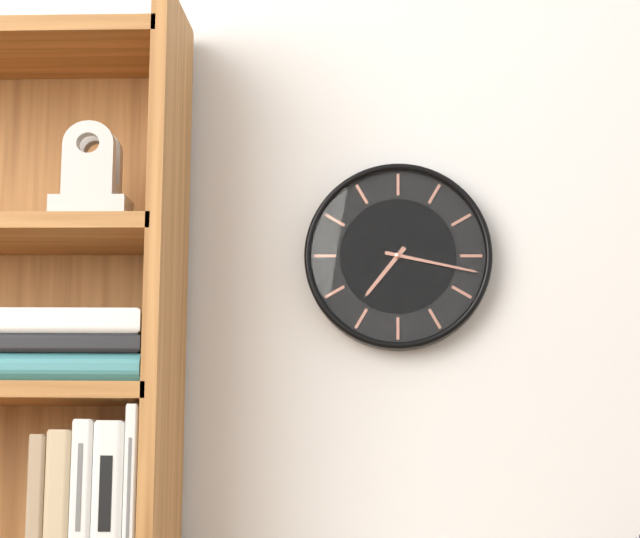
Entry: h=7 m=17
